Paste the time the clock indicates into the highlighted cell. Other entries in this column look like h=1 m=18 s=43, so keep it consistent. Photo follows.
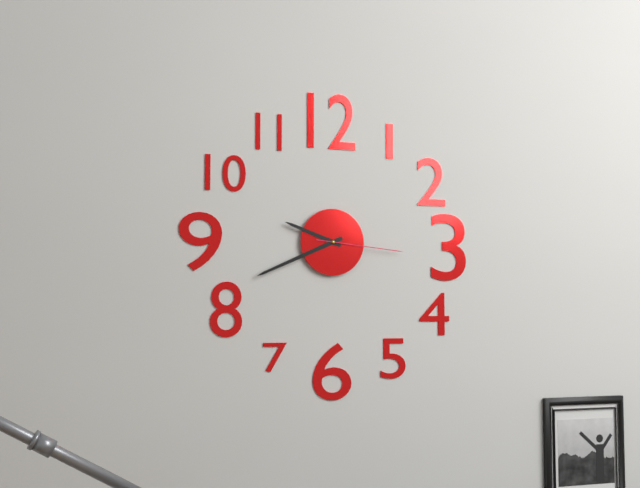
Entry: h=9 m=41 s=16
